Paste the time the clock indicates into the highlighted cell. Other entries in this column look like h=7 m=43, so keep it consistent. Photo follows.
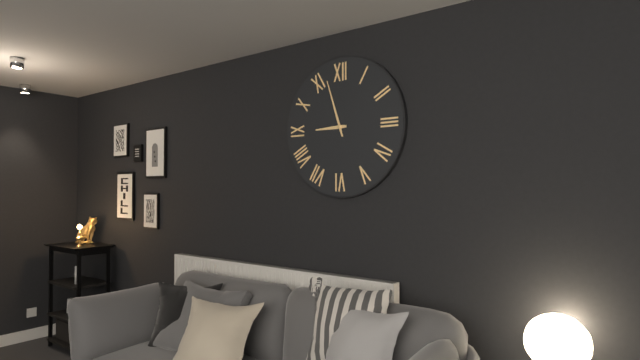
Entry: h=8 m=57
